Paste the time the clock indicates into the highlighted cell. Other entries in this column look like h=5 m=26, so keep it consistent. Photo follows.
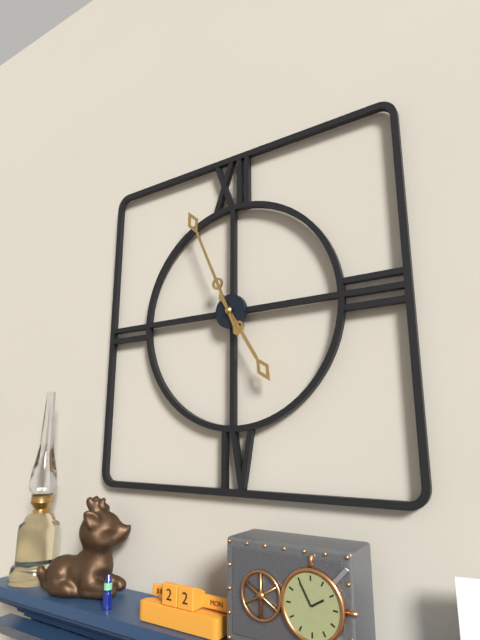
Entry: h=4 m=56
